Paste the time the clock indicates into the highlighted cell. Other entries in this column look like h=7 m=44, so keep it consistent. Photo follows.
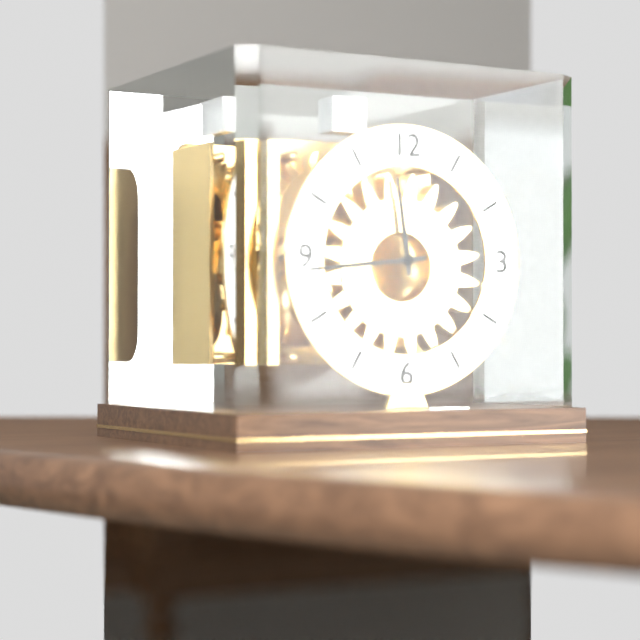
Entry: h=11 m=44
